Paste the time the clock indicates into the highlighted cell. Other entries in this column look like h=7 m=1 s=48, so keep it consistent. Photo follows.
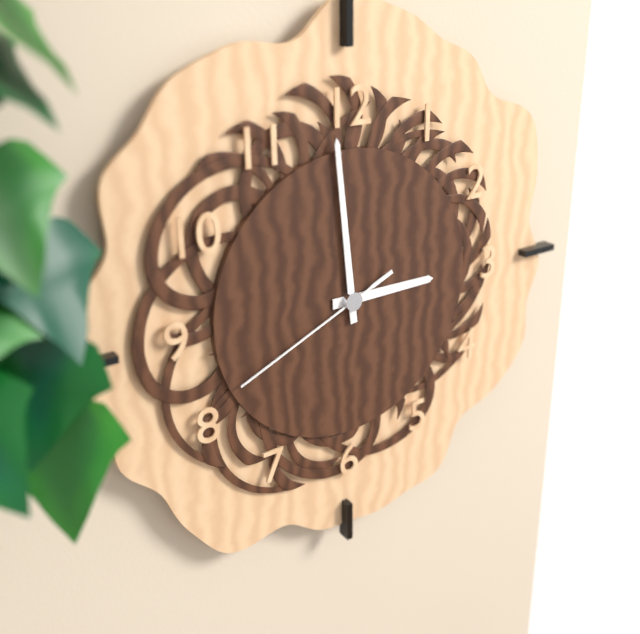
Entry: h=2 m=59 s=41
